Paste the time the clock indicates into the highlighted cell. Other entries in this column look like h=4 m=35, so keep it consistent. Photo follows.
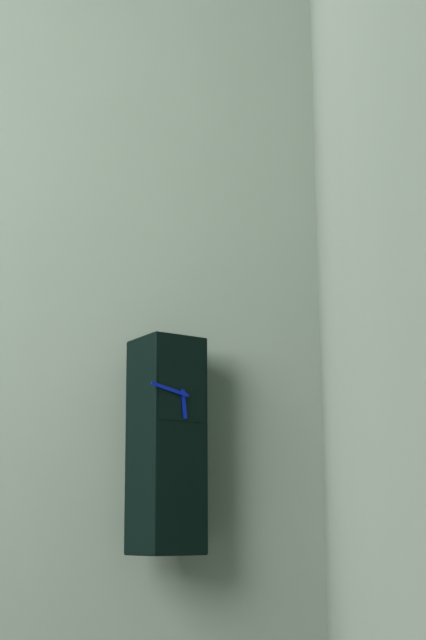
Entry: h=5 m=47
